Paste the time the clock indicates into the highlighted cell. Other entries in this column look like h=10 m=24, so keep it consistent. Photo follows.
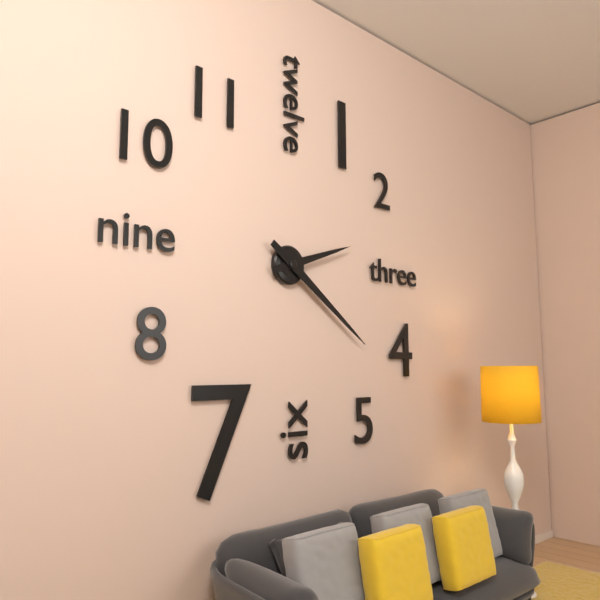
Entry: h=2 m=21
